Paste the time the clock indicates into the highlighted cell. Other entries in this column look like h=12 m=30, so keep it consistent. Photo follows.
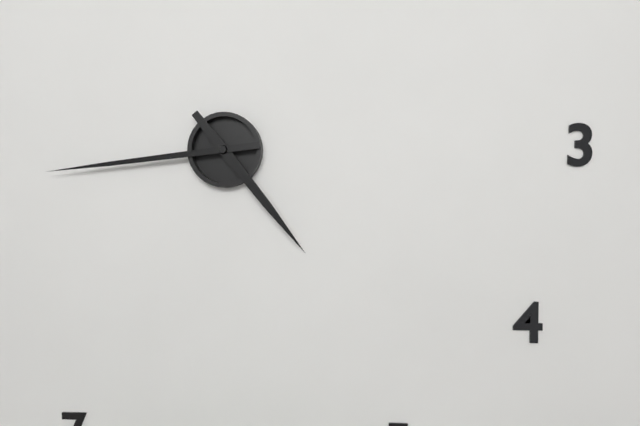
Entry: h=4 m=44
